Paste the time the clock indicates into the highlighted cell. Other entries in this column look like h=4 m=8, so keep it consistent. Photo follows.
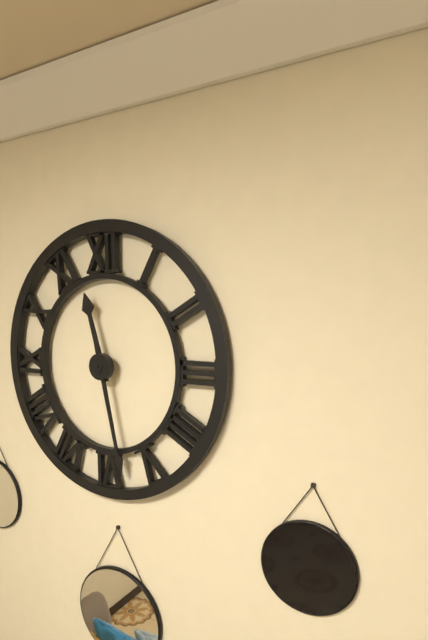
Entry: h=11 m=28
